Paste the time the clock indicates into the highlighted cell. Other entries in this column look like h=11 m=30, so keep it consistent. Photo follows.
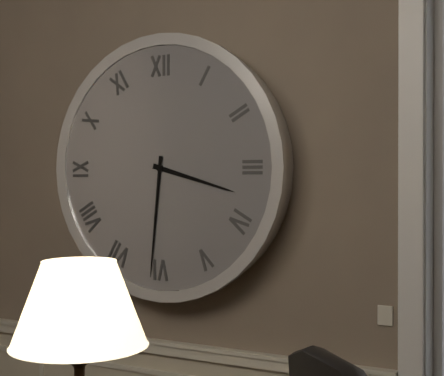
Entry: h=3 m=31
